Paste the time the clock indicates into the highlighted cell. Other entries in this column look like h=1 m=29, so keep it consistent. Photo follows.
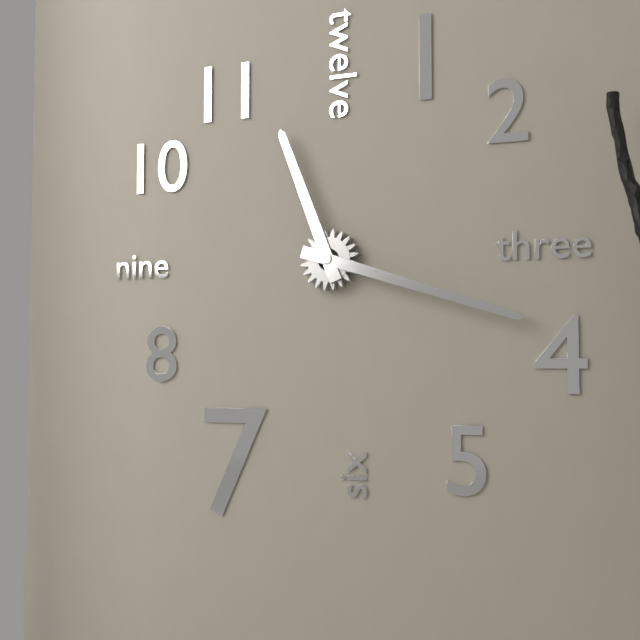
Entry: h=11 m=18
